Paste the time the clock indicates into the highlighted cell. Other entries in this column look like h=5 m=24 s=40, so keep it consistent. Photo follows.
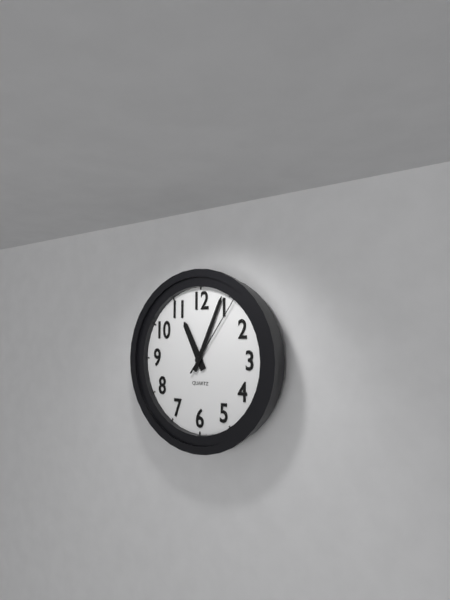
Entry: h=11 m=4 s=6
